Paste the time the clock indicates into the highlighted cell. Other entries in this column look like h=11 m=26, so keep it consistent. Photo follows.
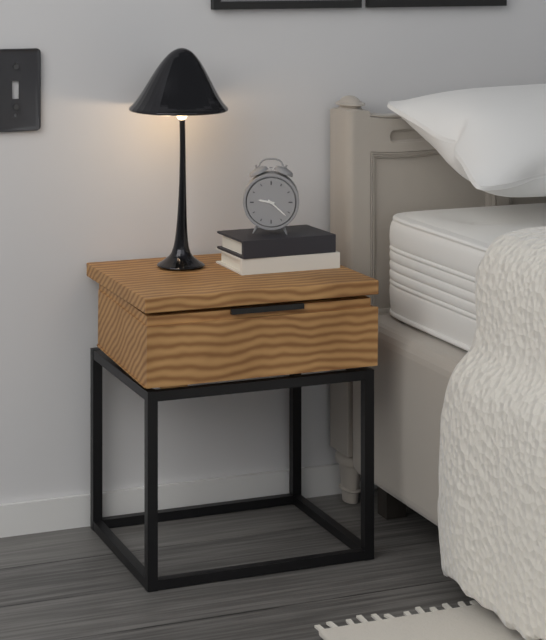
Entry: h=9 m=22
